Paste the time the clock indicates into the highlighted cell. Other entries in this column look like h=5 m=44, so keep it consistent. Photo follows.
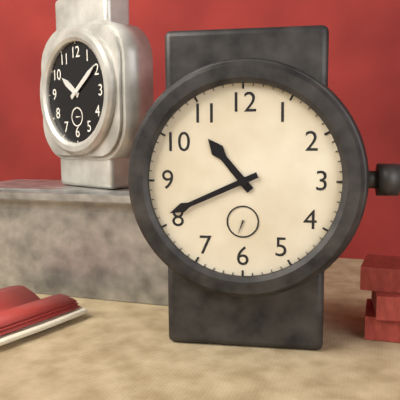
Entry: h=10 m=41
